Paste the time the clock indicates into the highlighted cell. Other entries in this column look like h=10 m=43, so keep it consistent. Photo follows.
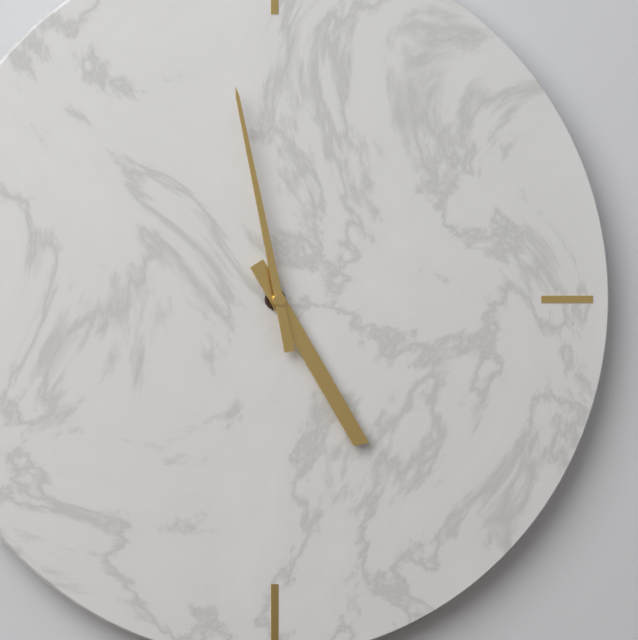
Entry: h=4 m=58
